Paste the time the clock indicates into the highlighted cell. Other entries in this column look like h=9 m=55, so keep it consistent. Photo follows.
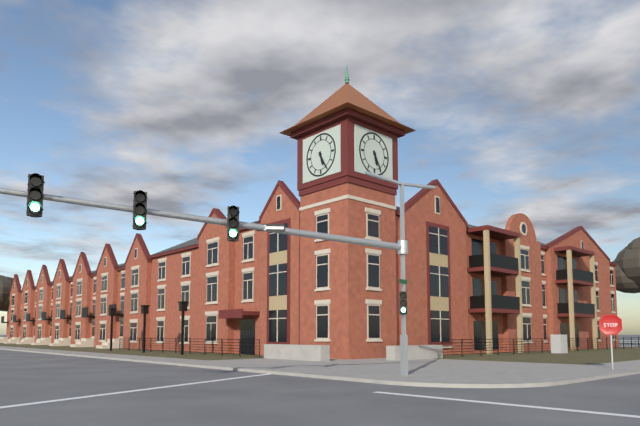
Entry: h=5 m=25
